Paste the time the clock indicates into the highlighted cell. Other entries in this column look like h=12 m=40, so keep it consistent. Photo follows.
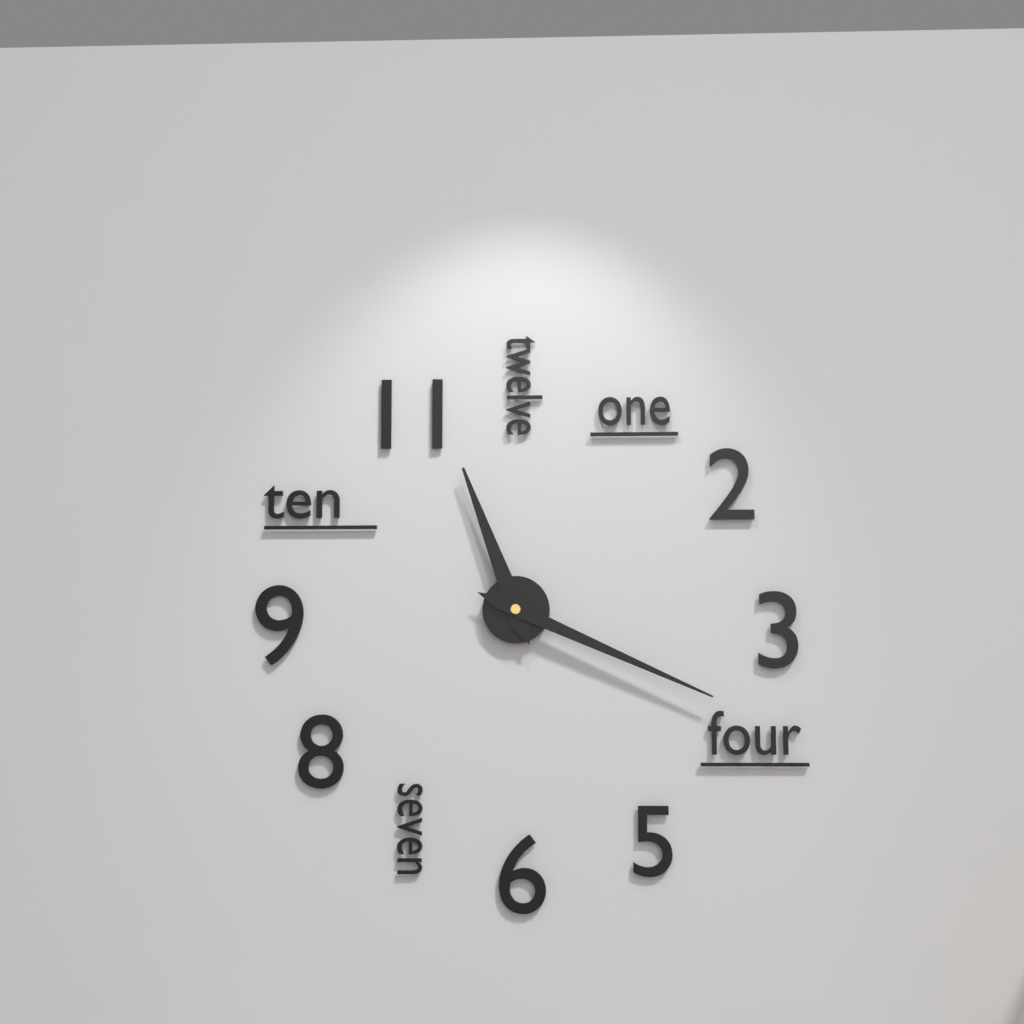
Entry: h=11 m=19
